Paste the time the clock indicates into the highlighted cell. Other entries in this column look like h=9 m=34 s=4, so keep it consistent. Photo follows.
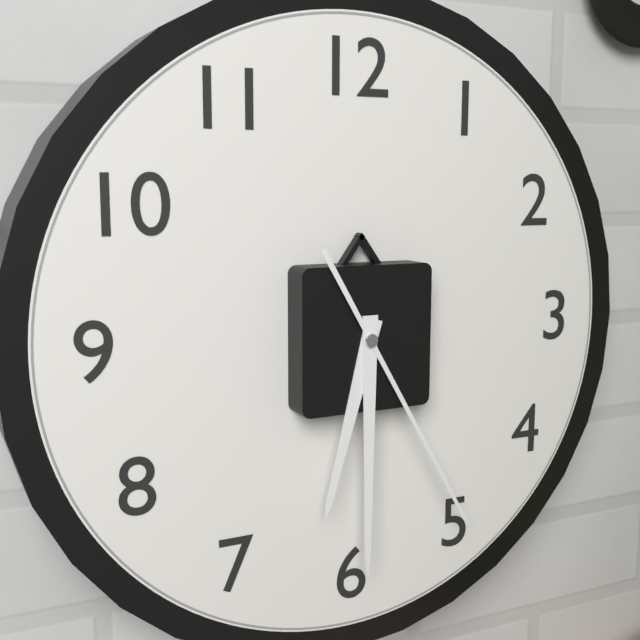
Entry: h=6 m=30 s=25
